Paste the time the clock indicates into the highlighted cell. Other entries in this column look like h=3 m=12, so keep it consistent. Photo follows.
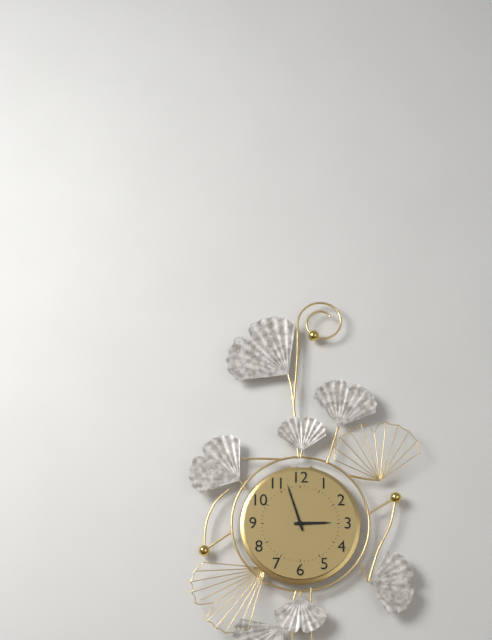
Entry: h=2 m=57
